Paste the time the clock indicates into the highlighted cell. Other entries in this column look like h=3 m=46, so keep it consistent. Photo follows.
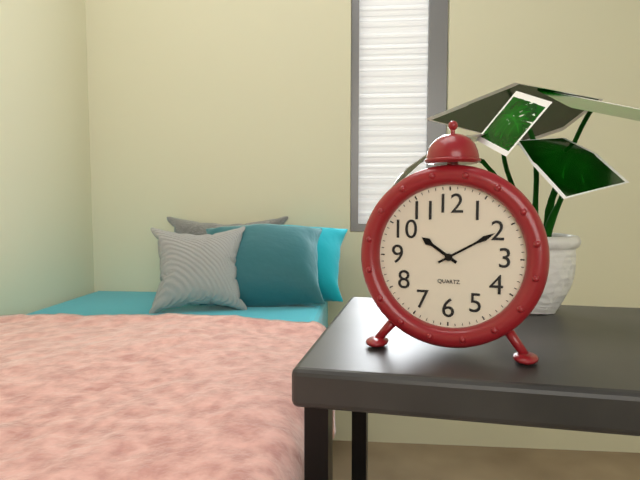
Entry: h=10 m=10
